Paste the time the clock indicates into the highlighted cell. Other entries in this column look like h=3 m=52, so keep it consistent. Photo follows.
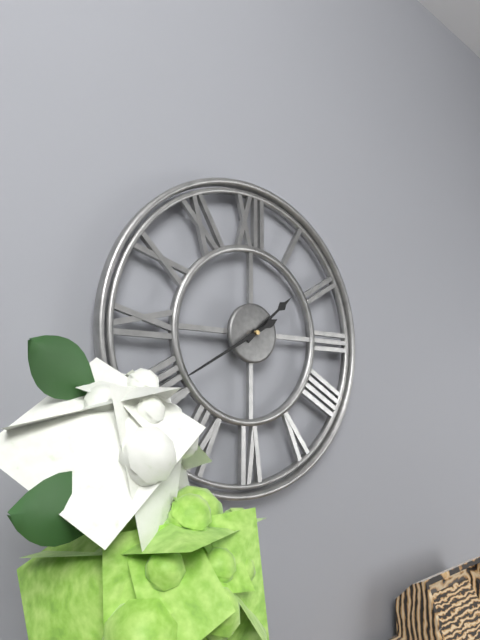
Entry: h=1 m=40
